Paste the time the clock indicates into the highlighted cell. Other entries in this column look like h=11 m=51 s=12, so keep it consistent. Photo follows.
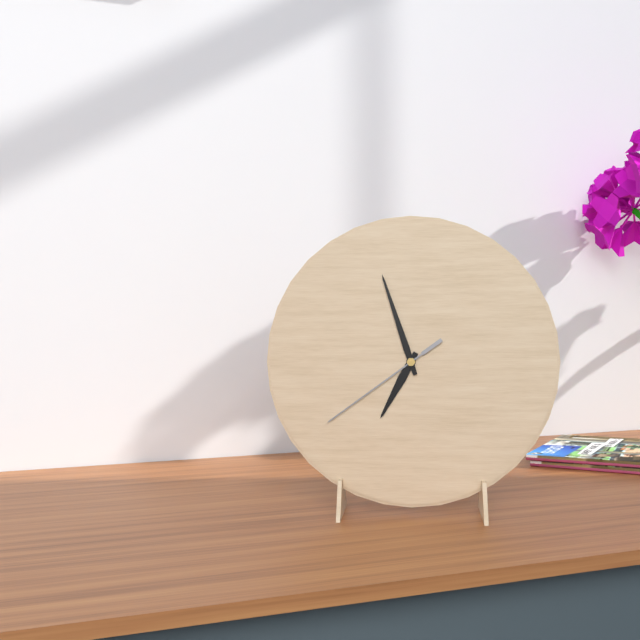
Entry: h=6 m=57 s=39
